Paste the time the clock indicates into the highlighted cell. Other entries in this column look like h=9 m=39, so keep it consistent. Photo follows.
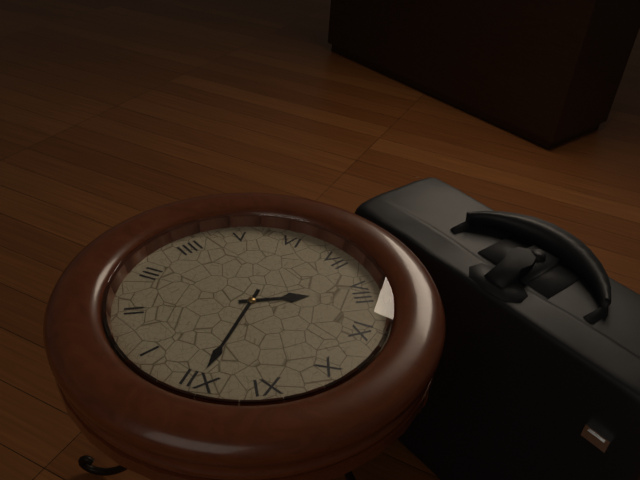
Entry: h=8 m=0
